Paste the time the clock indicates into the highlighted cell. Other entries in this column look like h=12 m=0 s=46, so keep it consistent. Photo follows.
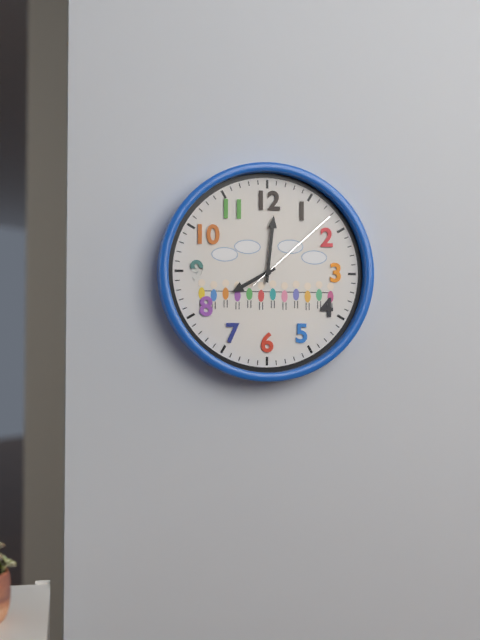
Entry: h=8 m=1 s=8
